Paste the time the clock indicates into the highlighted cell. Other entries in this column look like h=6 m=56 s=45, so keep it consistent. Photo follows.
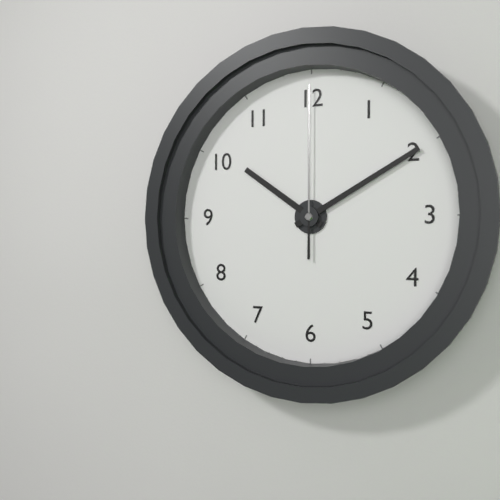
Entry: h=10 m=10 s=0
